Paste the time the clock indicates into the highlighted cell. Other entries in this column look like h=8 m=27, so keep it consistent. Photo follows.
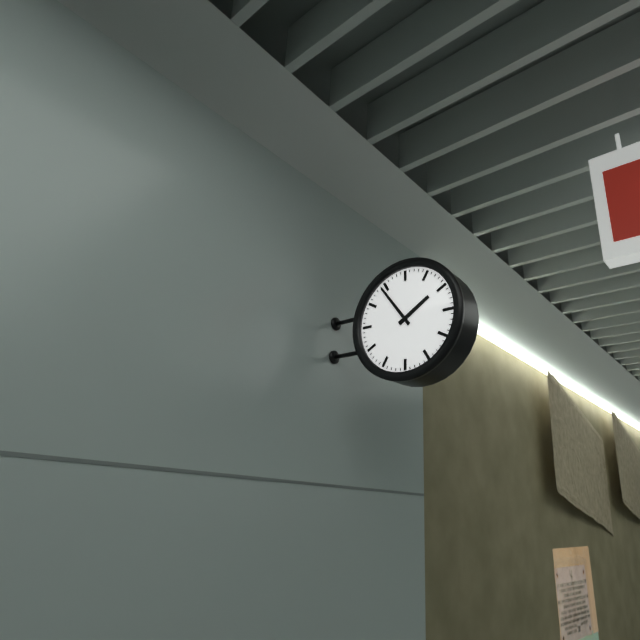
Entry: h=1 m=54
